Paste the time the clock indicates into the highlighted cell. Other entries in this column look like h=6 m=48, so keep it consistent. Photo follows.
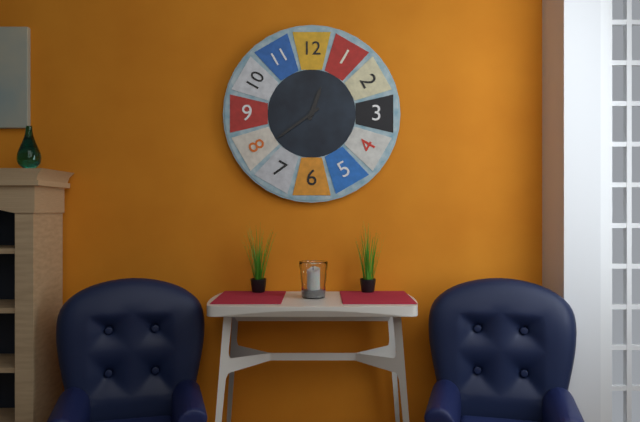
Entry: h=12 m=39
